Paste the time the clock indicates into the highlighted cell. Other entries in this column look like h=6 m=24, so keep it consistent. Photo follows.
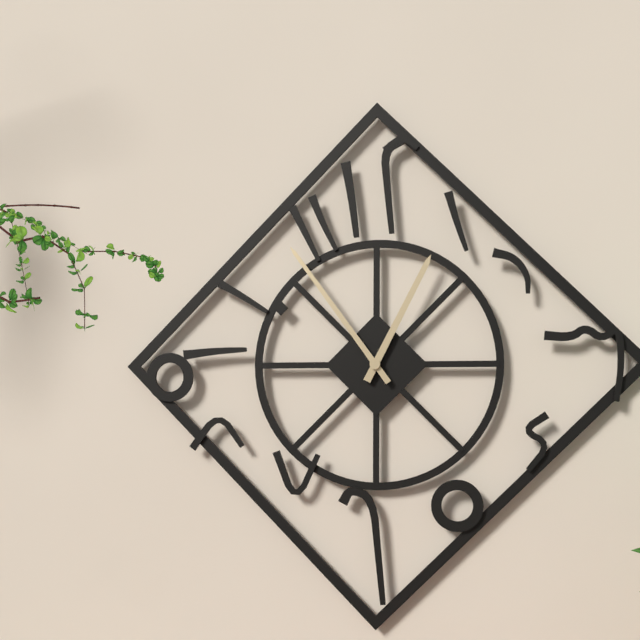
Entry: h=12 m=54
